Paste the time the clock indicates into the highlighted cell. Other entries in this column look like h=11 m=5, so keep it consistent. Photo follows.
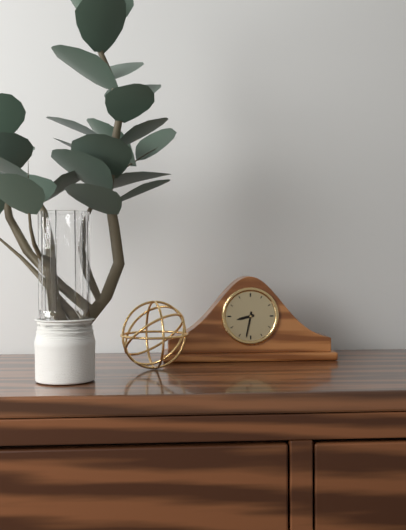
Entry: h=8 m=32
